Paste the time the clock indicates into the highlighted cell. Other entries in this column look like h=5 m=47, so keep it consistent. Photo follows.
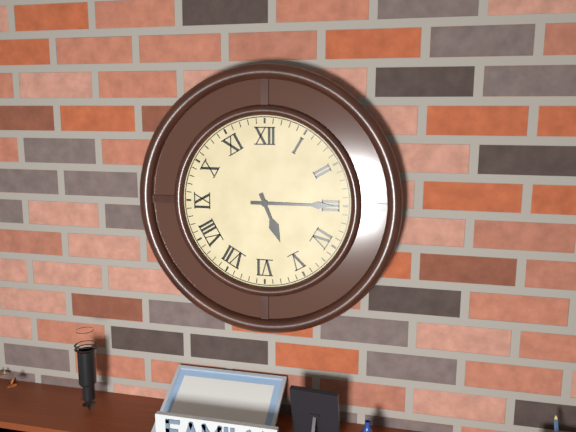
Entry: h=5 m=15
